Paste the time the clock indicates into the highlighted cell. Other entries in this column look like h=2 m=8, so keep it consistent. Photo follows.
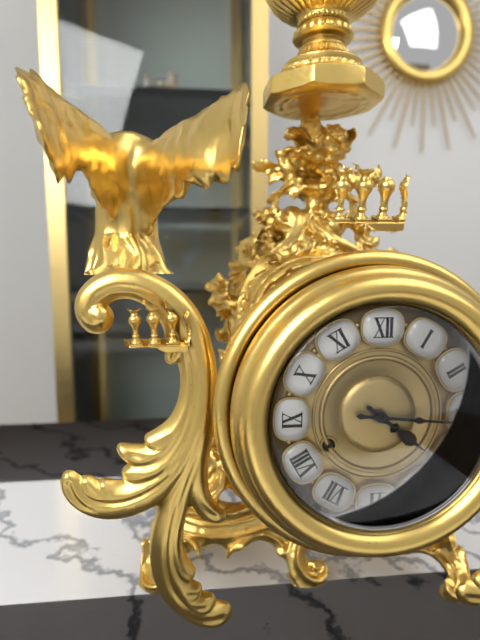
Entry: h=4 m=16
